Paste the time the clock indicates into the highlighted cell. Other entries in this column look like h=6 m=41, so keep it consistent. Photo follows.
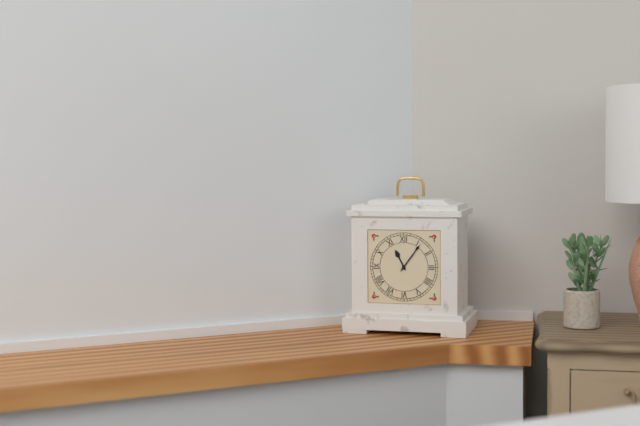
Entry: h=11 m=6
